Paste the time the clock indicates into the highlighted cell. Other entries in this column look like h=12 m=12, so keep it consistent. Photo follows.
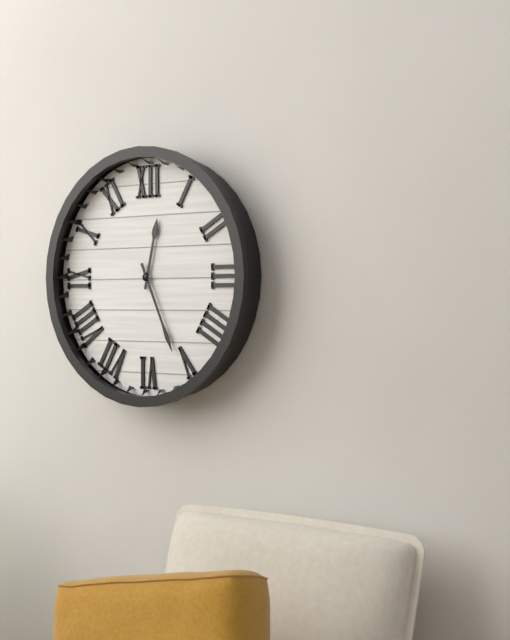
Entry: h=12 m=26
